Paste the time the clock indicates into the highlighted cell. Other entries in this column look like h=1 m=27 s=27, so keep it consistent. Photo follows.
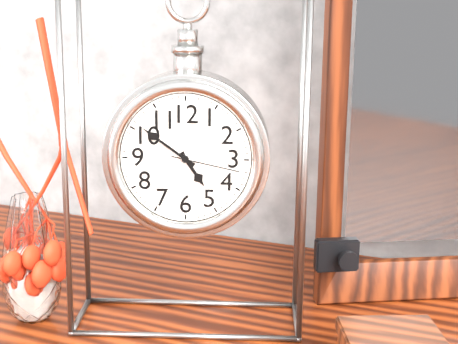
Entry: h=4 m=51 s=17
